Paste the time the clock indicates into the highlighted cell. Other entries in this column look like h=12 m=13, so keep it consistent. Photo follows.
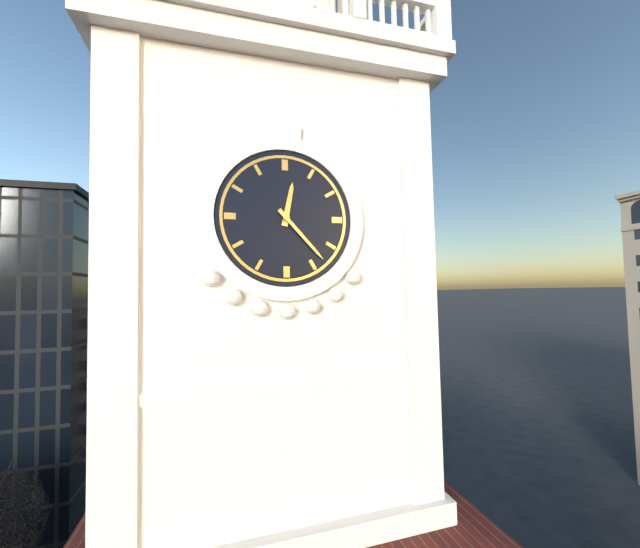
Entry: h=12 m=23
